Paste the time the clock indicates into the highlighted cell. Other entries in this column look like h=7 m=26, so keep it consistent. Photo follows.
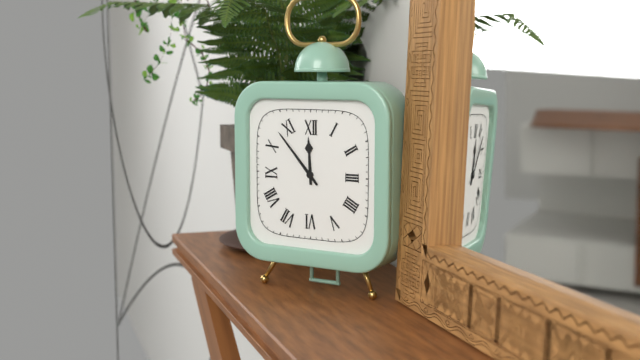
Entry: h=11 m=53
